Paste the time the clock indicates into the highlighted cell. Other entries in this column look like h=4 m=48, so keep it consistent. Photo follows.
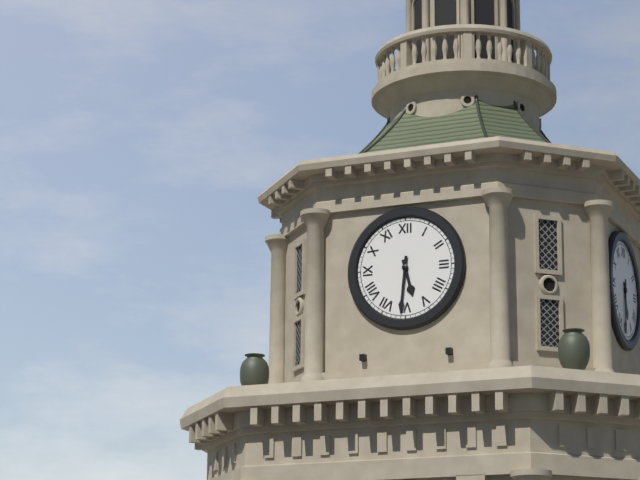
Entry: h=5 m=31
